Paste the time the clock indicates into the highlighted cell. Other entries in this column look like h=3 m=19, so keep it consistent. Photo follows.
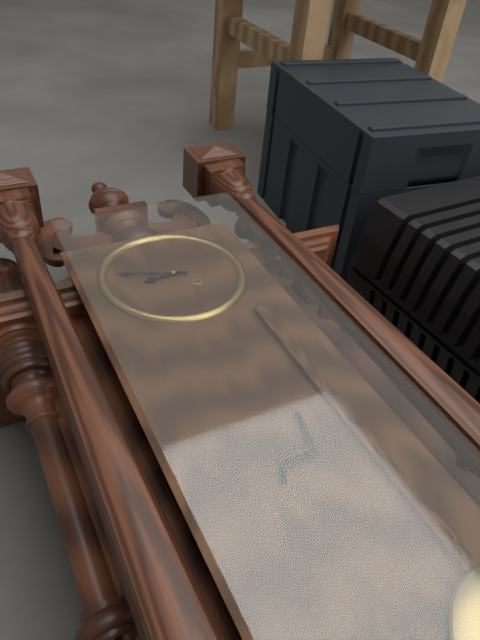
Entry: h=8 m=48
